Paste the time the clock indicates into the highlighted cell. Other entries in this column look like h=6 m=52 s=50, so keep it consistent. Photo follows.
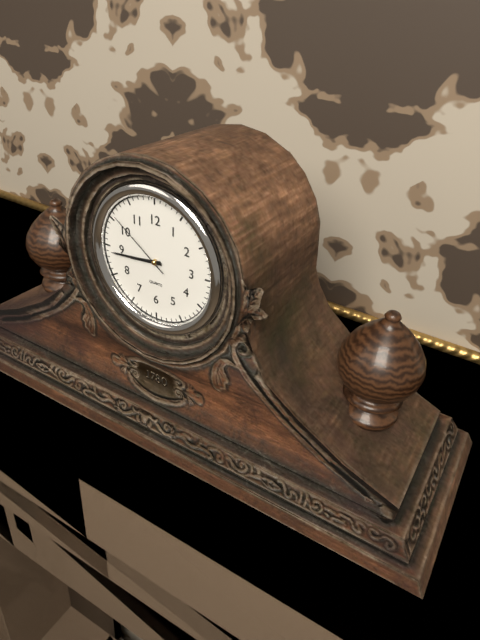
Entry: h=8 m=44 s=51
